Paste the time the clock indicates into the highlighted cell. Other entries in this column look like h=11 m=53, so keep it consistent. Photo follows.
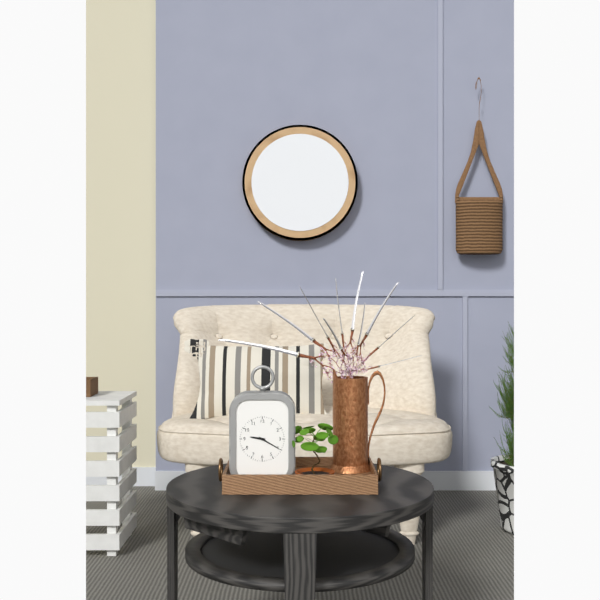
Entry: h=9 m=20
